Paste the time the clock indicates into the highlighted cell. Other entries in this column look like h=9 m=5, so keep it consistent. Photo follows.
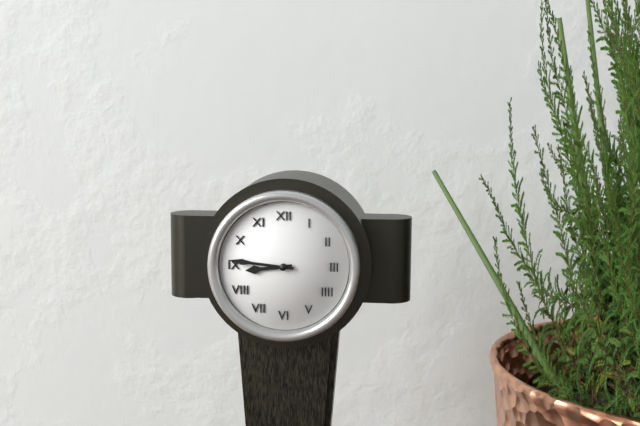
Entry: h=8 m=46
